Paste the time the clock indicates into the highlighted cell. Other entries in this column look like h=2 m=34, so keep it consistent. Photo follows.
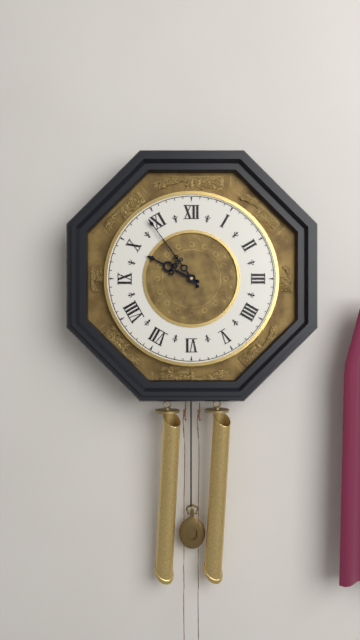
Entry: h=9 m=54
